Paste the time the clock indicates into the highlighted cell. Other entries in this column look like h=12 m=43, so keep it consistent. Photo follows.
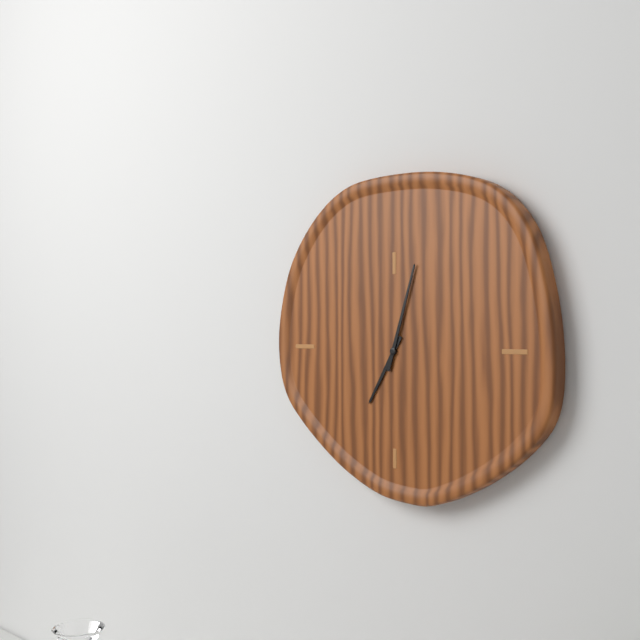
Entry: h=7 m=3
